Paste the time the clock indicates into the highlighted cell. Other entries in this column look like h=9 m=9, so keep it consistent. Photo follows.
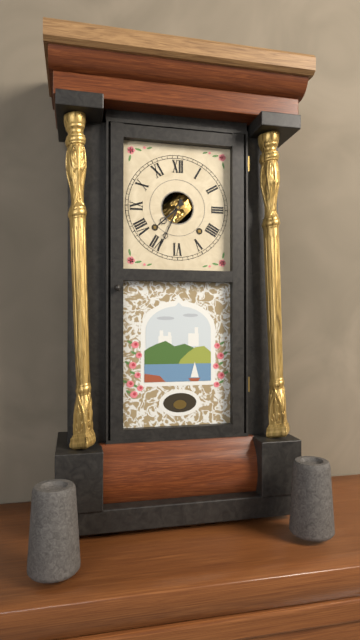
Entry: h=7 m=34
